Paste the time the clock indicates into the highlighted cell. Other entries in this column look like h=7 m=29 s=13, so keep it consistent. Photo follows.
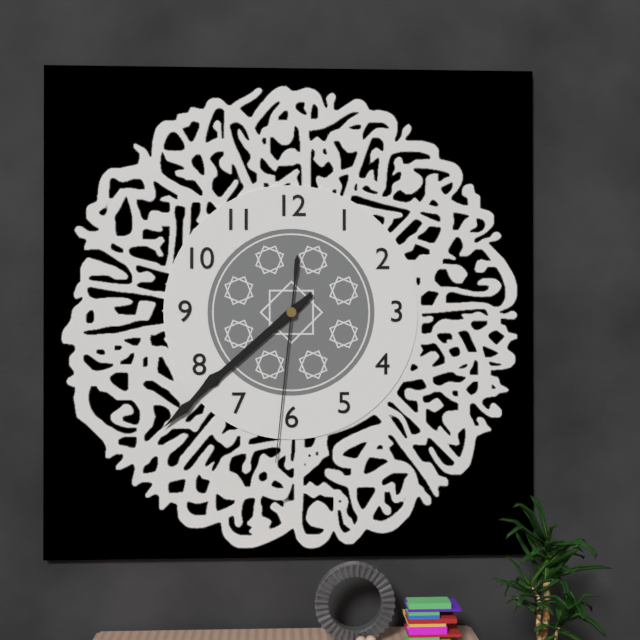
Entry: h=7 m=38 s=31
